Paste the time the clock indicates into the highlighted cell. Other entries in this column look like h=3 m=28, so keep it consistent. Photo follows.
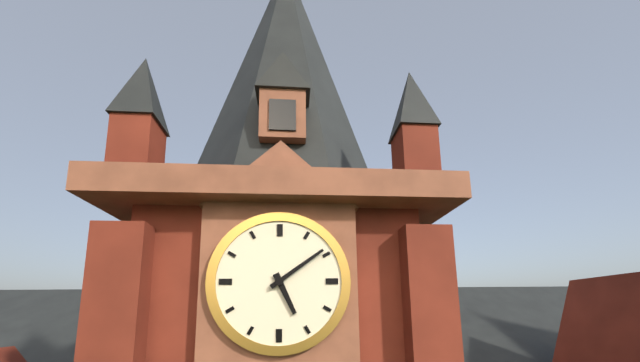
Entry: h=5 m=9
